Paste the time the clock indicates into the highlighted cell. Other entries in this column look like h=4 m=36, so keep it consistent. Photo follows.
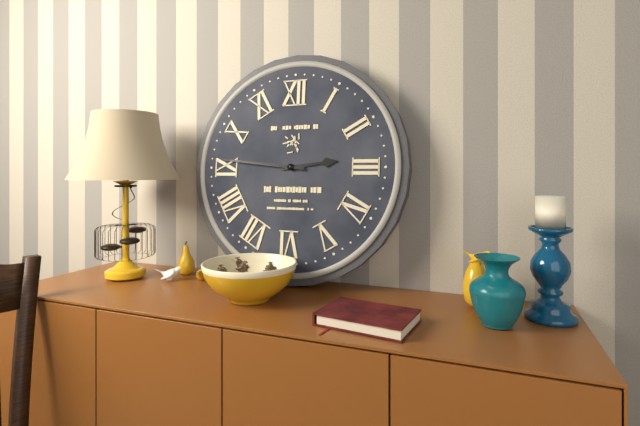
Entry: h=2 m=46
